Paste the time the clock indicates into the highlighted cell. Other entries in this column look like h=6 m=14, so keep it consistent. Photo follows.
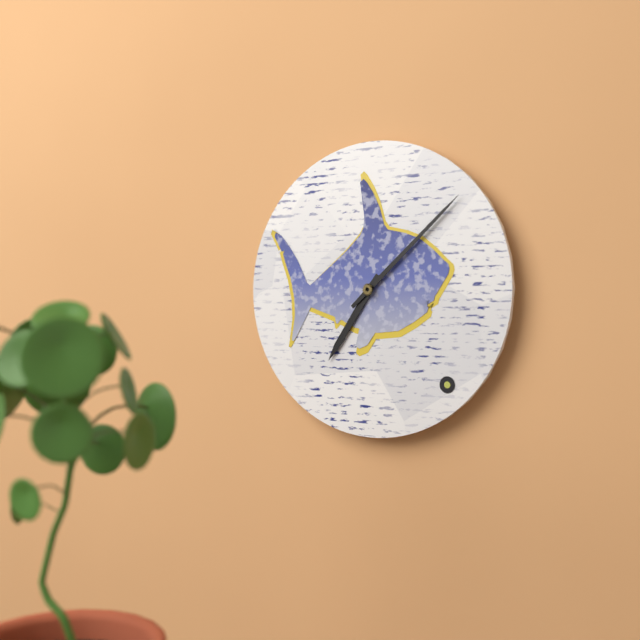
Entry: h=7 m=8
